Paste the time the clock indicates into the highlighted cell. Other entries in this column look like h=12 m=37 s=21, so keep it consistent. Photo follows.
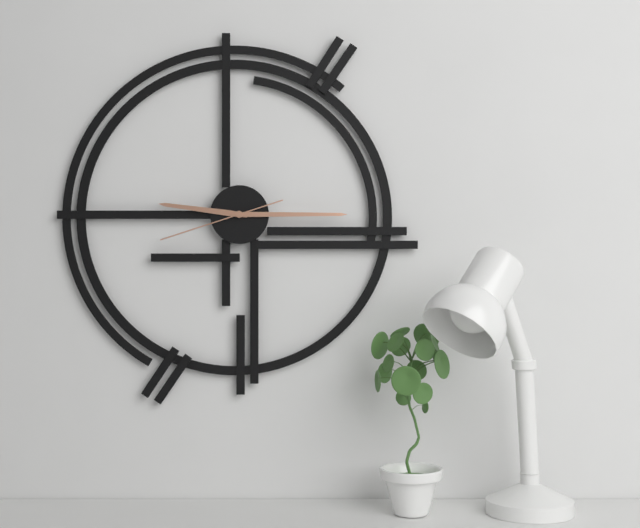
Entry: h=9 m=15 s=42
